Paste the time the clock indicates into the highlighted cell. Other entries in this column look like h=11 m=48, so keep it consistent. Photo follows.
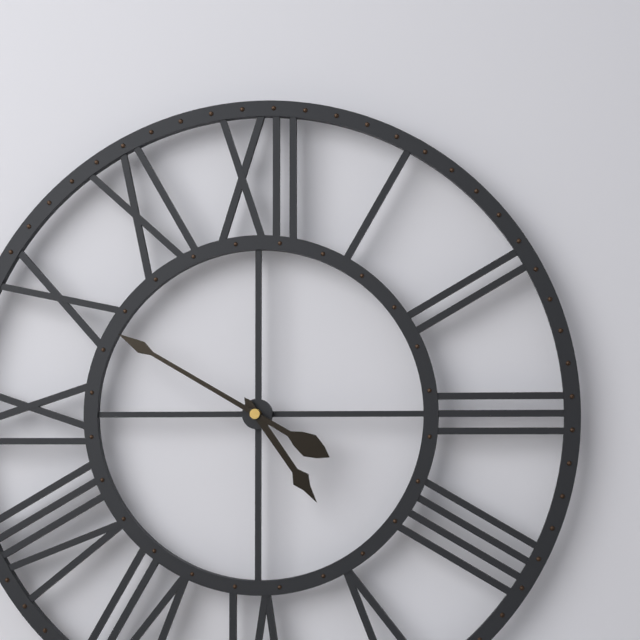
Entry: h=4 m=50
